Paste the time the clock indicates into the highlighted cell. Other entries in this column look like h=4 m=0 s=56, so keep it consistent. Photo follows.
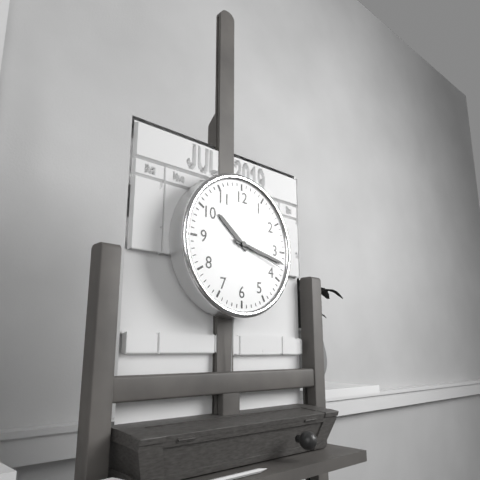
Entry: h=10 m=17 s=18
